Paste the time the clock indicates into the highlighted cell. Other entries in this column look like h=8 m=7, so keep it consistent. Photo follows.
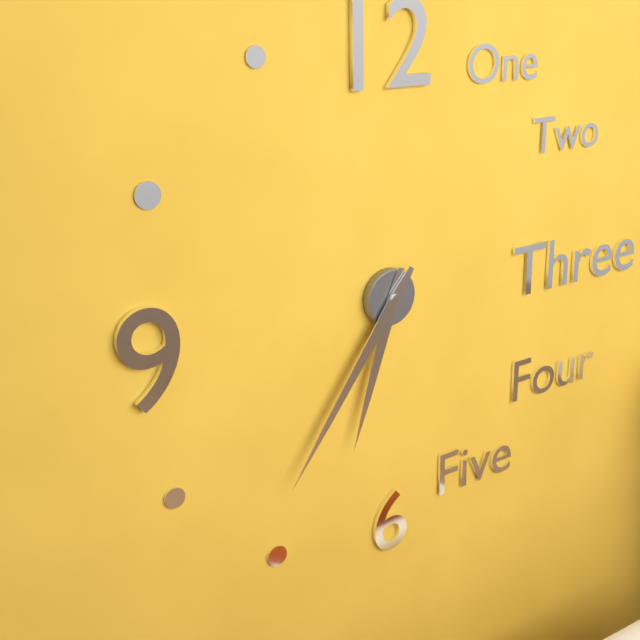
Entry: h=6 m=36
